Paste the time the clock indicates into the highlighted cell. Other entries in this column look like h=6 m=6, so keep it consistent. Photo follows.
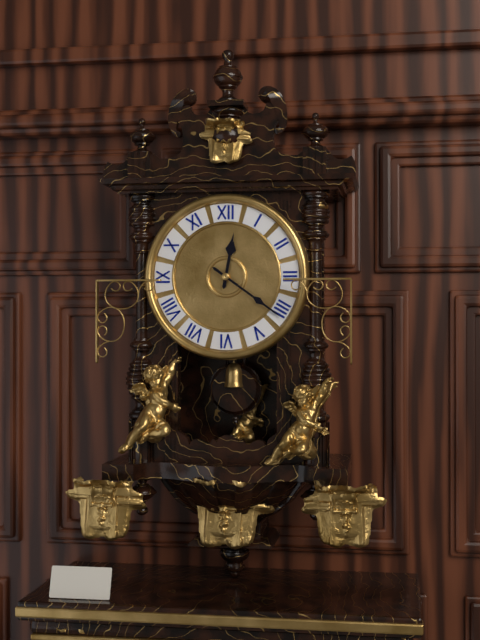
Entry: h=12 m=21
